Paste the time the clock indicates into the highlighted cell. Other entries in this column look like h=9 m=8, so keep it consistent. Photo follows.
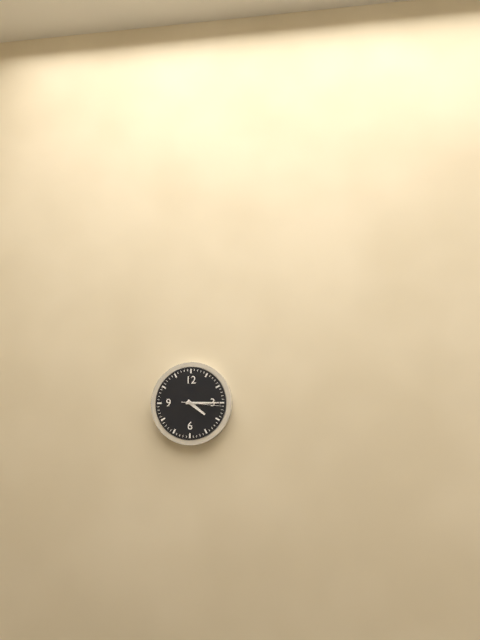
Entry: h=4 m=15
